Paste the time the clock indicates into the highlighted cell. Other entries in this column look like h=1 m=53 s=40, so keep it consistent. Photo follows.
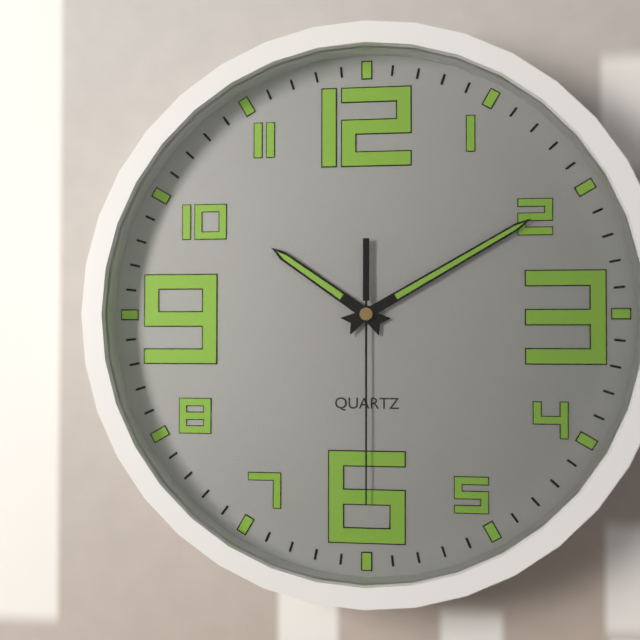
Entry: h=10 m=10 s=30
